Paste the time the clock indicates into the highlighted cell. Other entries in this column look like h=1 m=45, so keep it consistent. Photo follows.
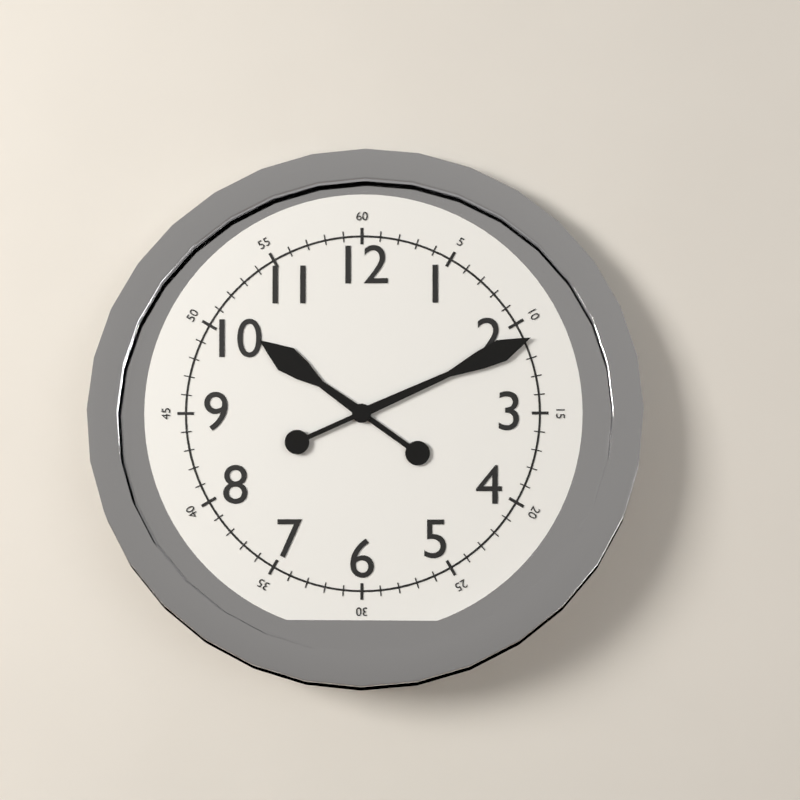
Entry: h=10 m=11
